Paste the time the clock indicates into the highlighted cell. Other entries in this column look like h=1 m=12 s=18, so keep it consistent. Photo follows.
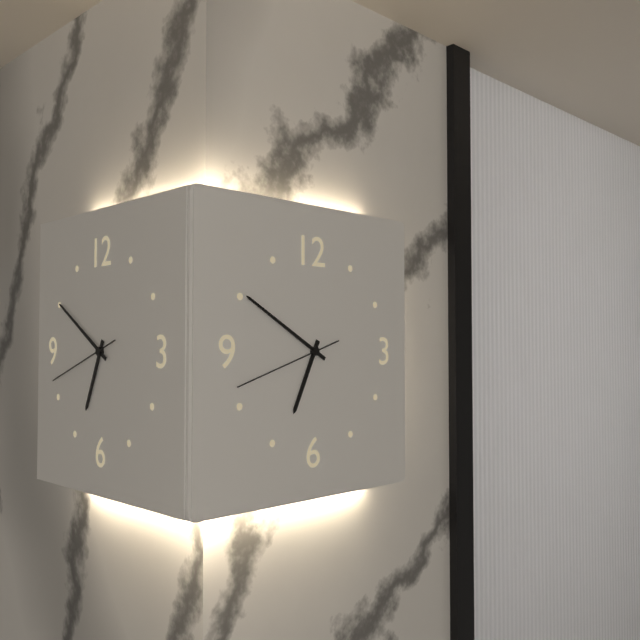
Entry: h=6 m=50 s=42
